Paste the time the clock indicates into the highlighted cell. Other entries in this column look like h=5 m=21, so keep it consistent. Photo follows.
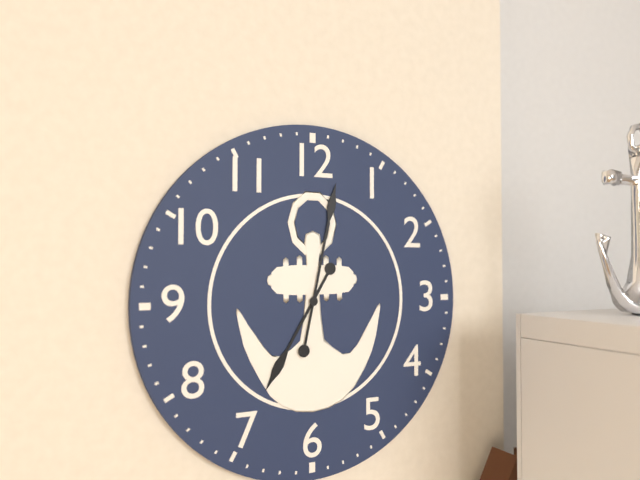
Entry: h=7 m=2
